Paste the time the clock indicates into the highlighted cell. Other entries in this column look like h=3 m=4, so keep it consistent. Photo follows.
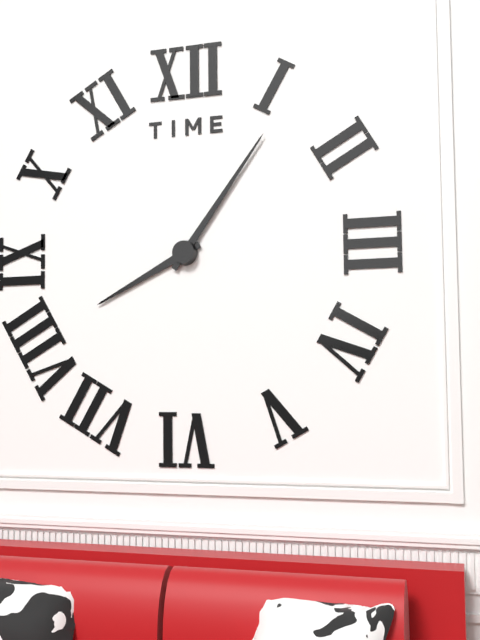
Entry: h=8 m=6
